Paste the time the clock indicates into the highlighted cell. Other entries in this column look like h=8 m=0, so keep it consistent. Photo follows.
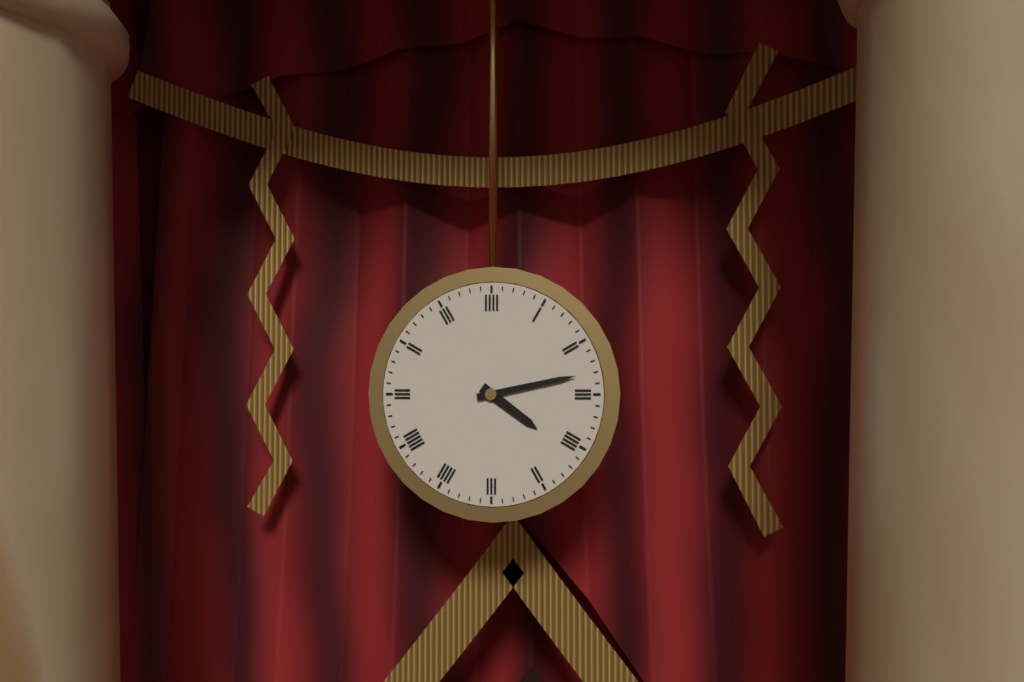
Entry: h=4 m=13
